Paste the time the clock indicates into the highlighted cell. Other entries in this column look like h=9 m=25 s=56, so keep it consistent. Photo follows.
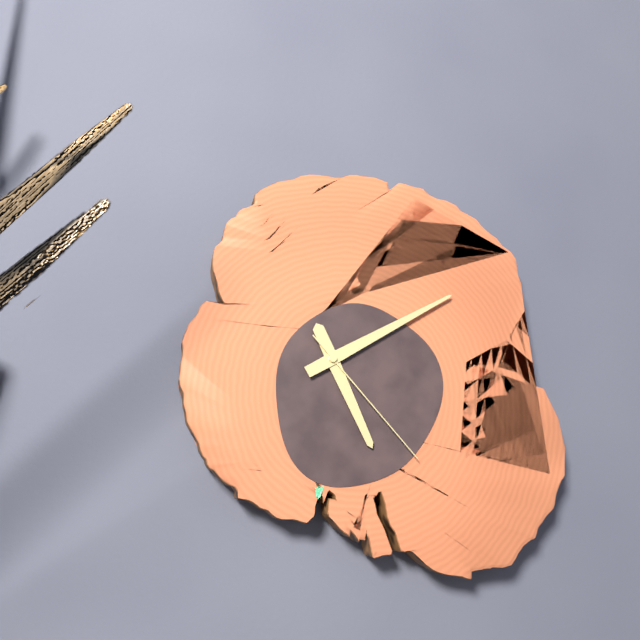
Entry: h=5 m=10 s=23
